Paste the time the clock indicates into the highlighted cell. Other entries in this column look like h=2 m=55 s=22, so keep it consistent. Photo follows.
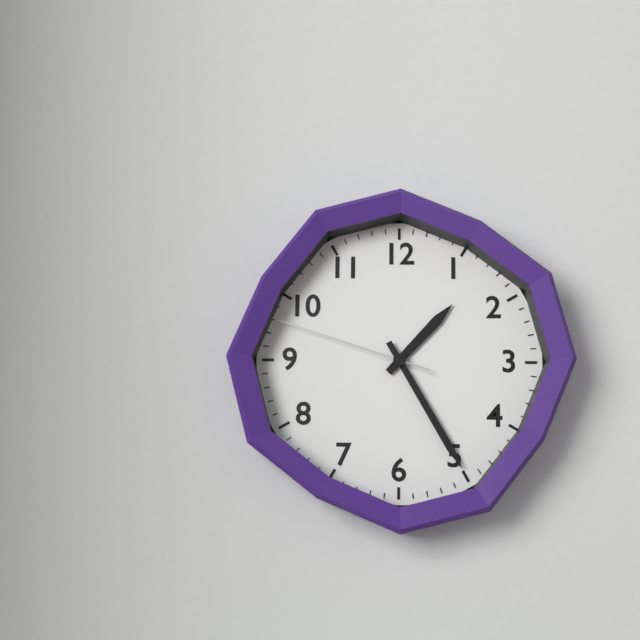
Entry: h=1 m=25 s=48
